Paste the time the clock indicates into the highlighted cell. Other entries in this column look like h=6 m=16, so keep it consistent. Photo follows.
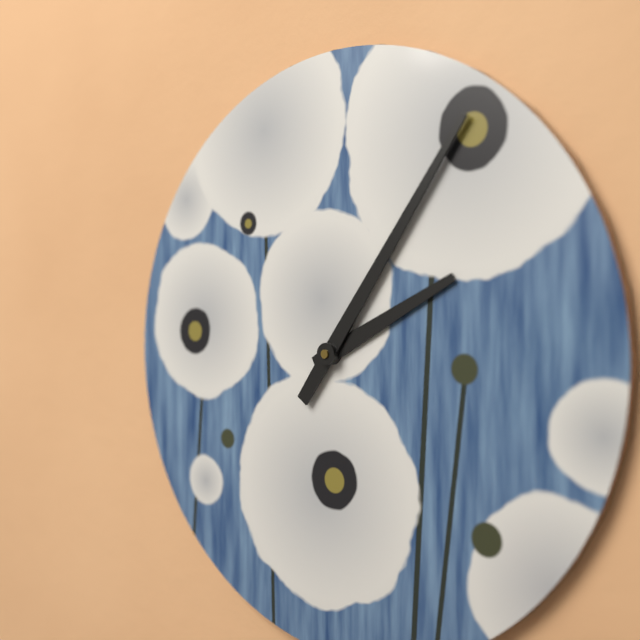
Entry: h=2 m=6
